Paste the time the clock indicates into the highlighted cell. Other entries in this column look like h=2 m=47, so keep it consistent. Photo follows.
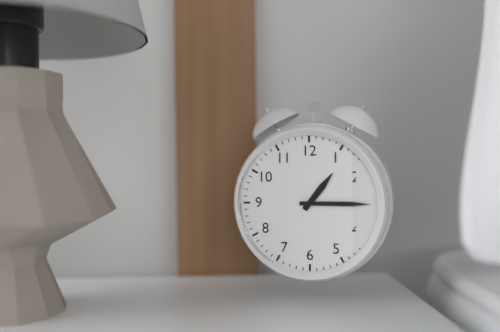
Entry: h=1 m=15
